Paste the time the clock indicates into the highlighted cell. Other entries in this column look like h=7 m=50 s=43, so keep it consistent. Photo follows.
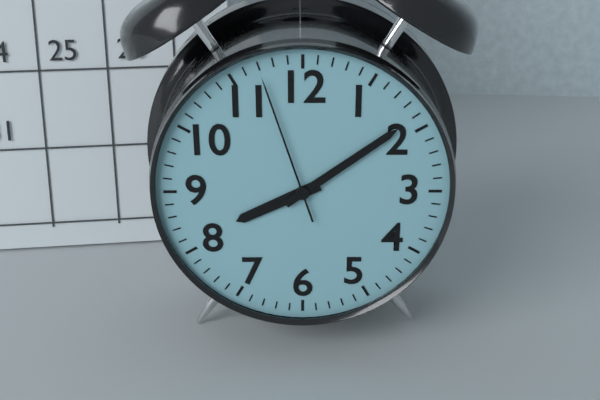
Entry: h=8 m=9 s=57
